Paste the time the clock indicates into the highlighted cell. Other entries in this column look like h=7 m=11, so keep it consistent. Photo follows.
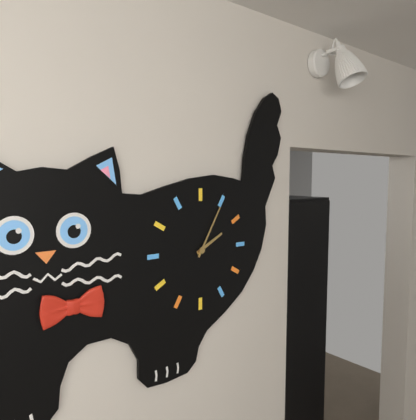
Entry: h=2 m=5
